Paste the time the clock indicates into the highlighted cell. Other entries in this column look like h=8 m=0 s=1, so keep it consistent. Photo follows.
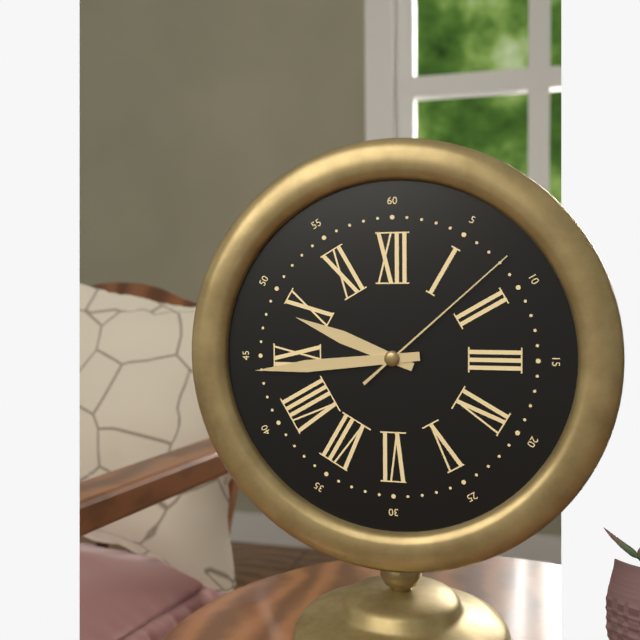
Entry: h=9 m=44 s=8
